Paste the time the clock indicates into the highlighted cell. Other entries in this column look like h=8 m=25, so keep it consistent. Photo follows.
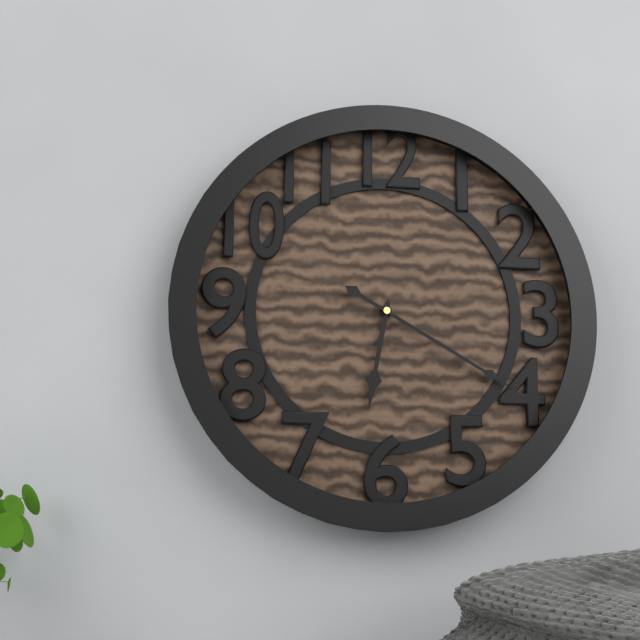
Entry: h=6 m=20
